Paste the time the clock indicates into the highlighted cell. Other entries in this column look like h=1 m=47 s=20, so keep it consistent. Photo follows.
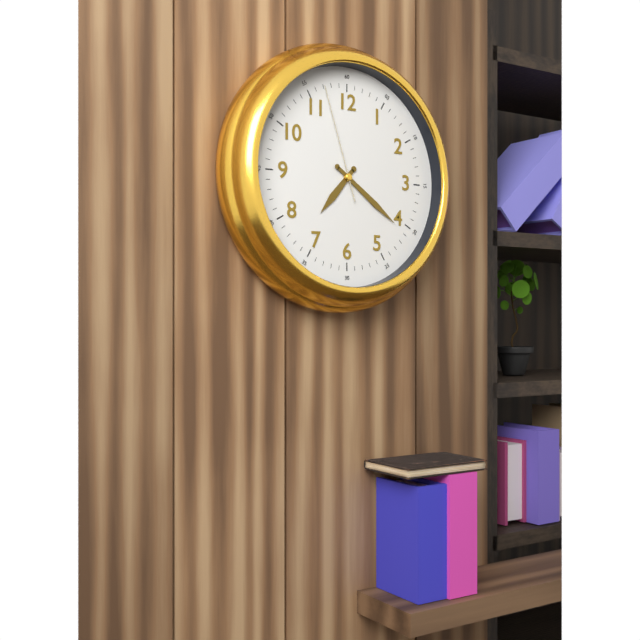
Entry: h=7 m=21 s=57
